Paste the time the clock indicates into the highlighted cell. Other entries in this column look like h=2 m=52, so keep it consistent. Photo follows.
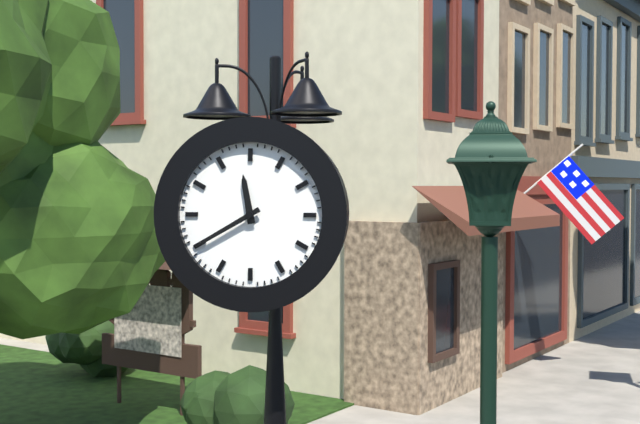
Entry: h=11 m=40
